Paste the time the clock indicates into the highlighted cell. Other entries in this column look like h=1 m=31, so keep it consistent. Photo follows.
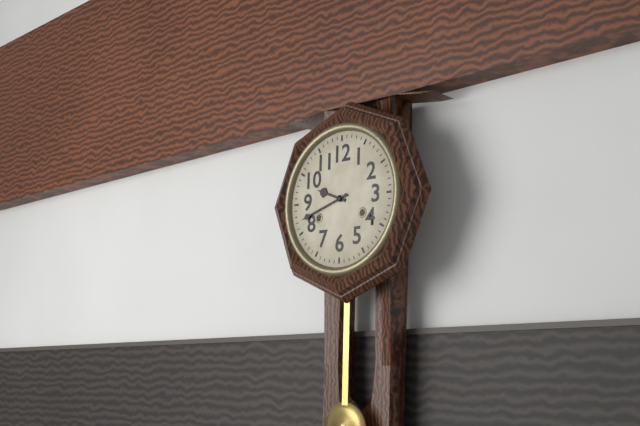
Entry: h=9 m=42
